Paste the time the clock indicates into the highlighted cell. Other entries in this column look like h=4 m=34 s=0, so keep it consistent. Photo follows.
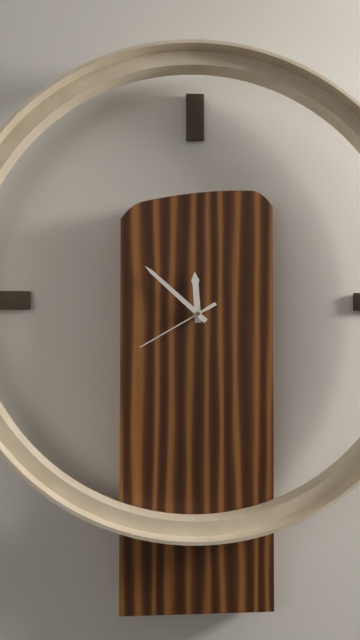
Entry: h=11 m=52 s=40
